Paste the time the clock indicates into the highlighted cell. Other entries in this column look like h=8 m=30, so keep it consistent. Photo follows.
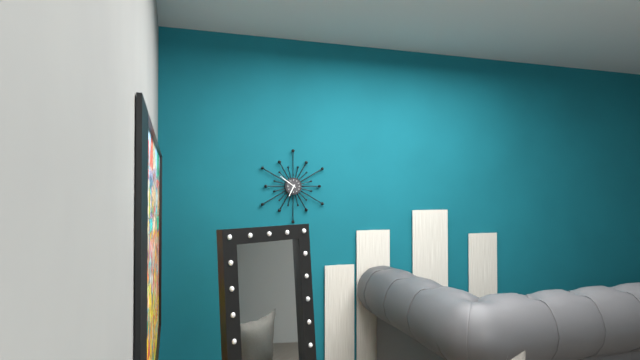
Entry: h=6 m=51
